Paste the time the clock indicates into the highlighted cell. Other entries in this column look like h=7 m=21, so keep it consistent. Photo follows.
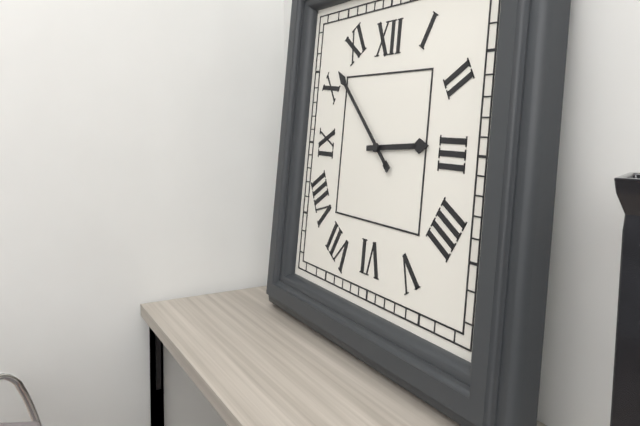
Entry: h=2 m=52
